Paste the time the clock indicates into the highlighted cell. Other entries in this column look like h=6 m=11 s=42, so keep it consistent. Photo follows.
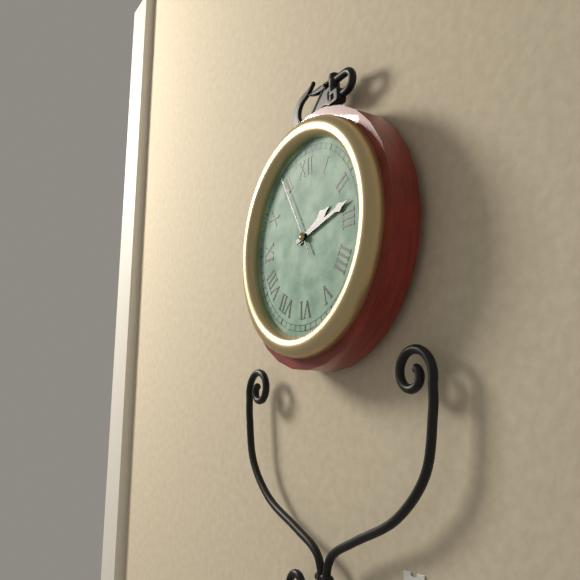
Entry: h=2 m=13 s=55
